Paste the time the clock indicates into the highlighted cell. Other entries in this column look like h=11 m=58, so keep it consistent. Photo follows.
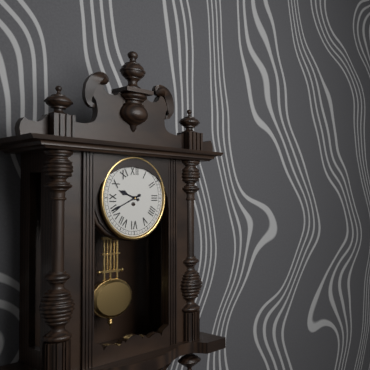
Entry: h=9 m=41
